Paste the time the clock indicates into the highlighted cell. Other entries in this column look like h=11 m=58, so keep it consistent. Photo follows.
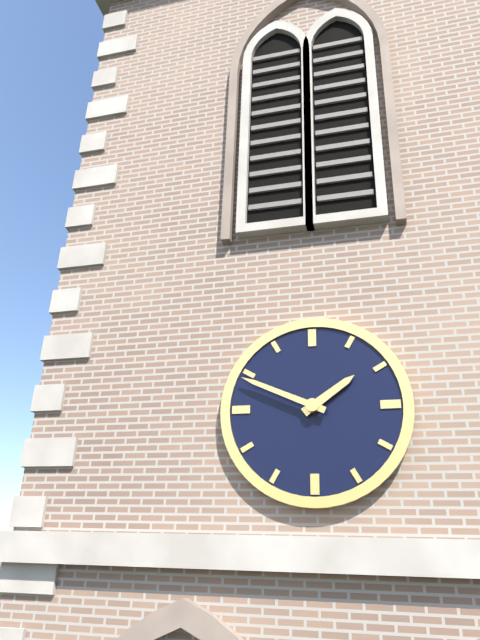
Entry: h=1 m=49
